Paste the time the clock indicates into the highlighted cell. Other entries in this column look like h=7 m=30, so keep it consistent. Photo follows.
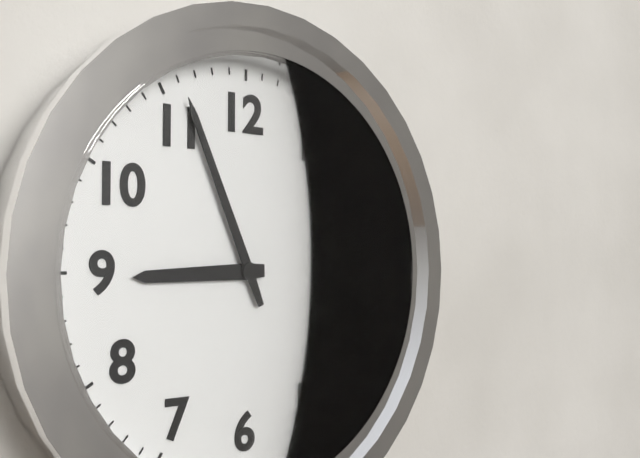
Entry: h=8 m=56
